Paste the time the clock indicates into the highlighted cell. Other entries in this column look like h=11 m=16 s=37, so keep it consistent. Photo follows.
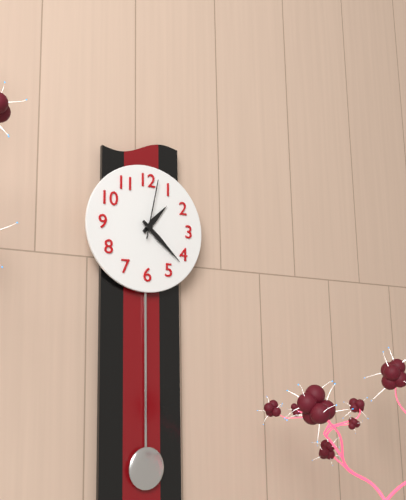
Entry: h=1 m=22 s=2
